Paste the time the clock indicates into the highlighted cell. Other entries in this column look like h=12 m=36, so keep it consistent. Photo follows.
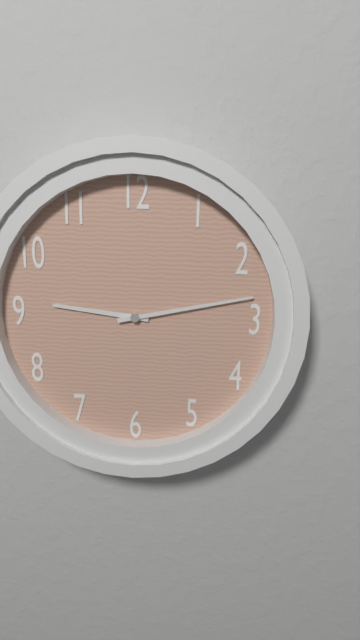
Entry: h=9 m=13
